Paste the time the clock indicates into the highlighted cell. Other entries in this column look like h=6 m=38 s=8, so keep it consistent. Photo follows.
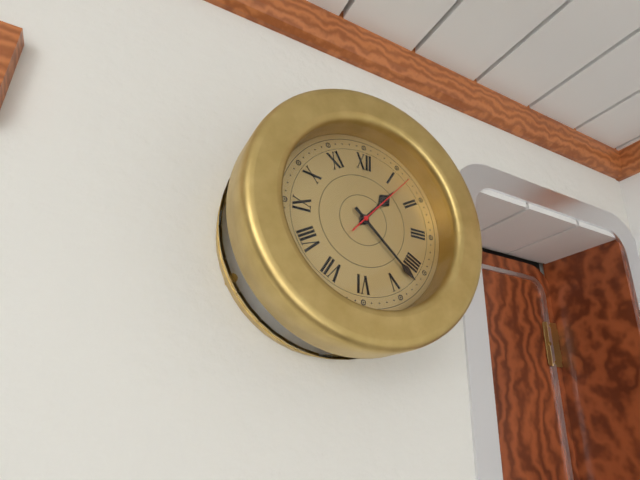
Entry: h=1 m=22 s=7
